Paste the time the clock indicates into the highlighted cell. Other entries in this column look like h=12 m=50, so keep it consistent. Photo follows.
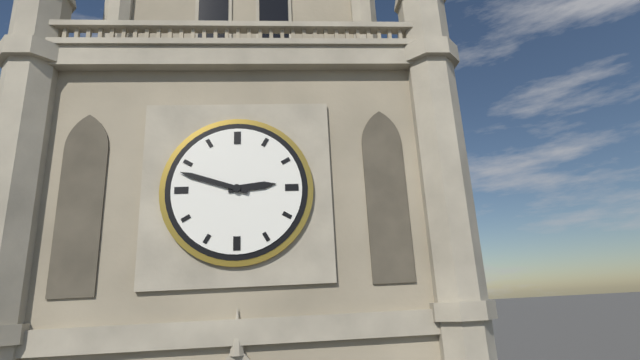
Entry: h=2 m=48
